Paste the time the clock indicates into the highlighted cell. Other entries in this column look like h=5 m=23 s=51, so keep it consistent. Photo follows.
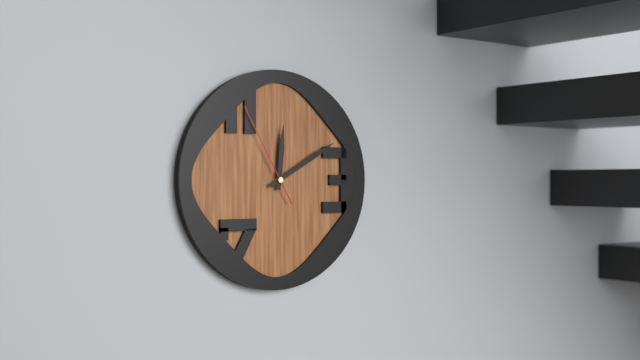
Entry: h=12 m=10 s=55
